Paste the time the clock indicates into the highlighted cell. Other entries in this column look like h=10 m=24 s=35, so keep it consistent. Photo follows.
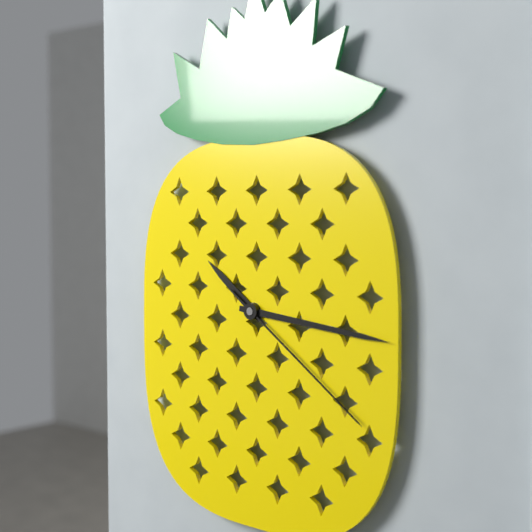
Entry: h=10 m=16 s=21
